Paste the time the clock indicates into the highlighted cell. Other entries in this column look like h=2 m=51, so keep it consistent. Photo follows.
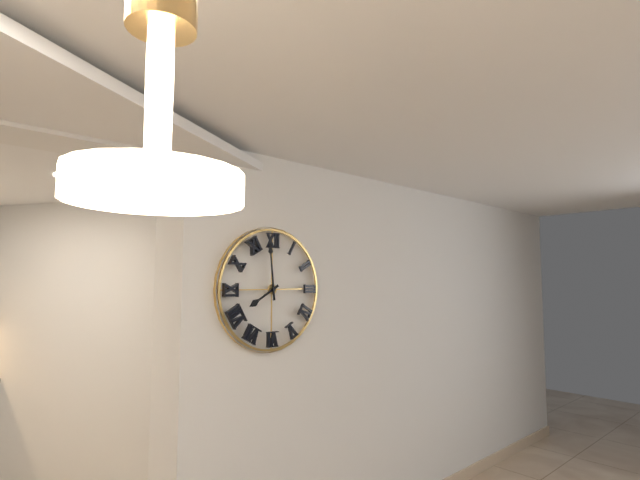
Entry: h=7 m=59
